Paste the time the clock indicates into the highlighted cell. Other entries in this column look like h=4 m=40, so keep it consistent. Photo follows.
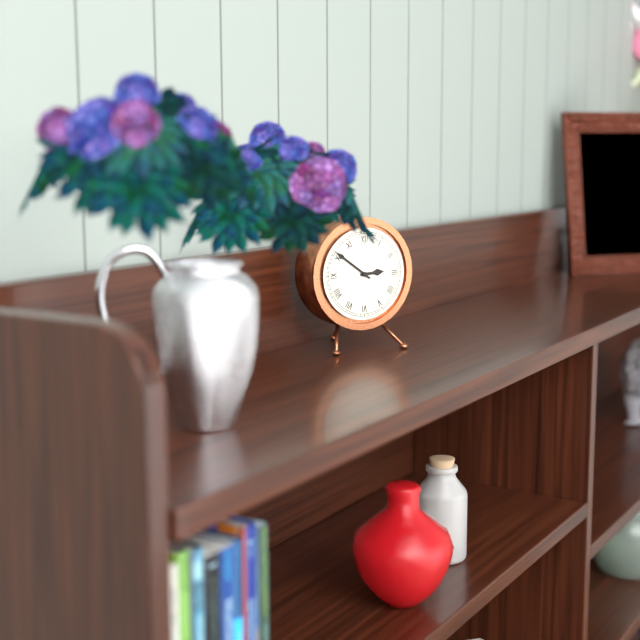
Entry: h=2 m=51
